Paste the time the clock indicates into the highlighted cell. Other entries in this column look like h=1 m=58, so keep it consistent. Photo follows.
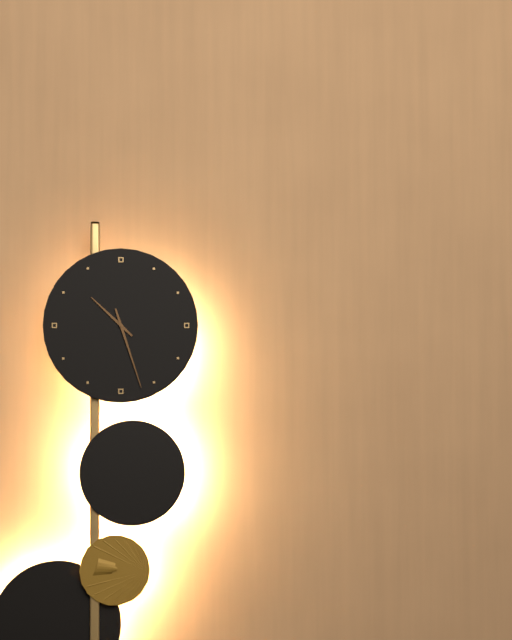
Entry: h=10 m=27
